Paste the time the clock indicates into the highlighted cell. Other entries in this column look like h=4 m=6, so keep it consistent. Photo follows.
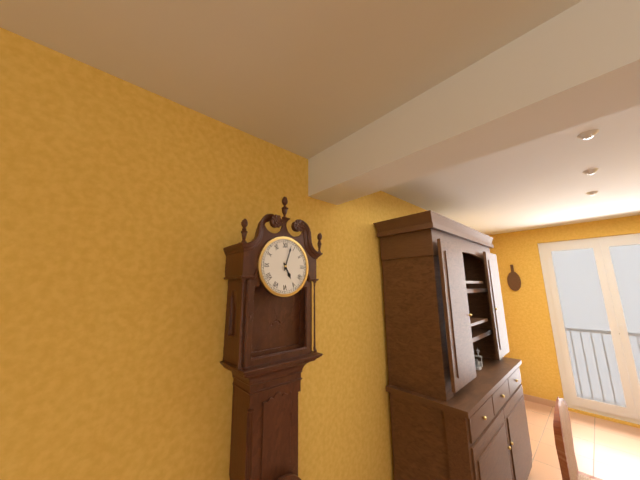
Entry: h=5 m=3
